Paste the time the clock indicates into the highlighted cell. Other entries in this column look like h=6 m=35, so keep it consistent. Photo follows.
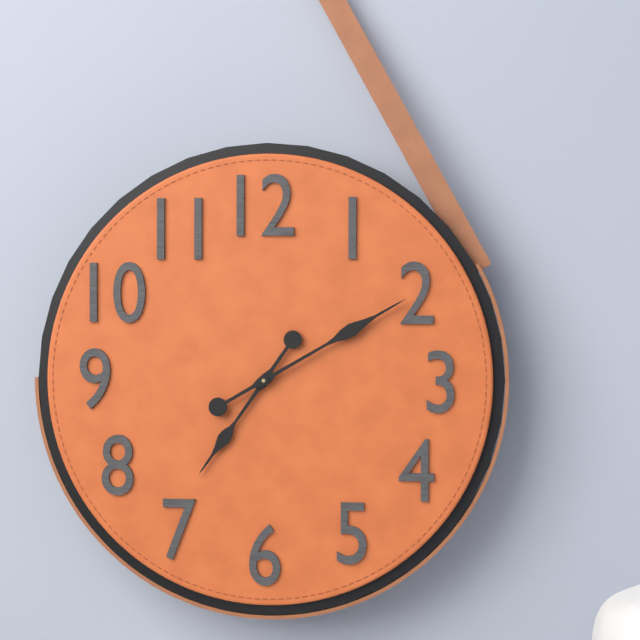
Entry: h=7 m=10
